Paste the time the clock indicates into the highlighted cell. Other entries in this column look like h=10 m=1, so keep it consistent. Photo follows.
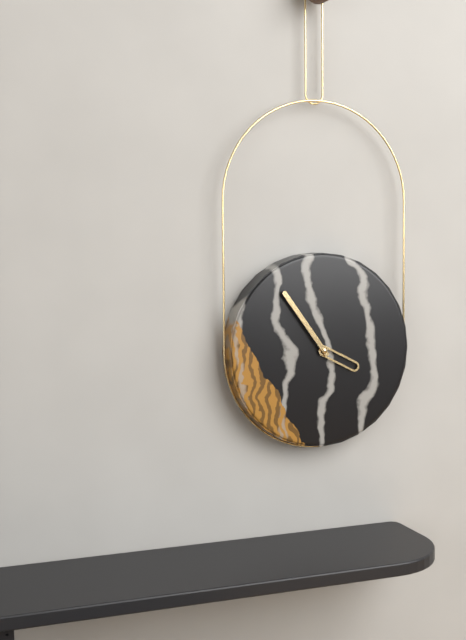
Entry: h=3 m=54
